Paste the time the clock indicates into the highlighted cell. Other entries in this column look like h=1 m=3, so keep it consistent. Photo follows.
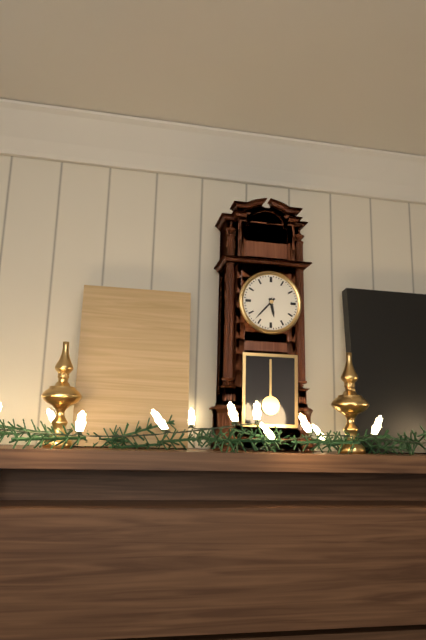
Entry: h=5 m=37
